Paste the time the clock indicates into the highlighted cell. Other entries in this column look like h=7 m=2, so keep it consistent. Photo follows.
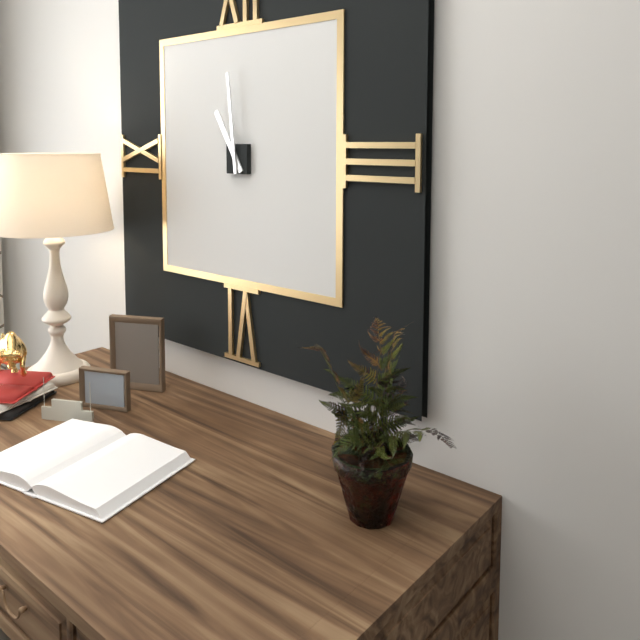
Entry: h=10 m=59
